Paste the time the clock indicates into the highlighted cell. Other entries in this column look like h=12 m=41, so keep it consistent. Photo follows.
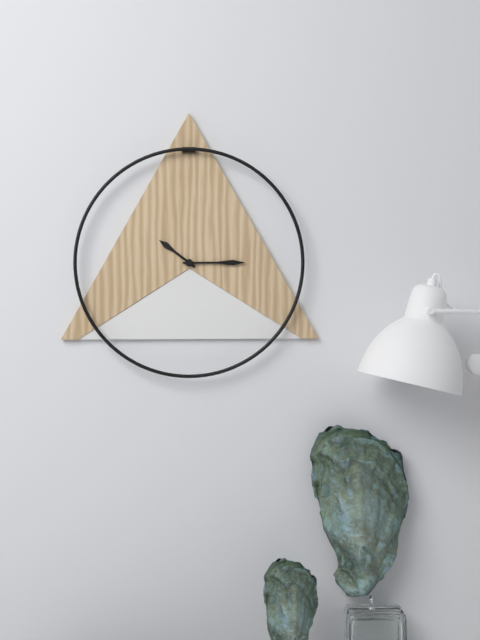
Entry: h=10 m=15
